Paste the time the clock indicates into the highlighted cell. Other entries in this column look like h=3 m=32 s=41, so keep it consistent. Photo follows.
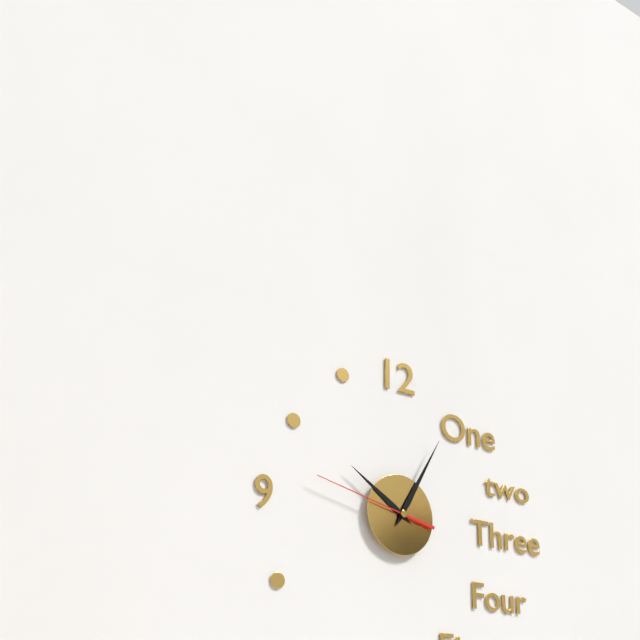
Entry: h=10 m=5 s=47
